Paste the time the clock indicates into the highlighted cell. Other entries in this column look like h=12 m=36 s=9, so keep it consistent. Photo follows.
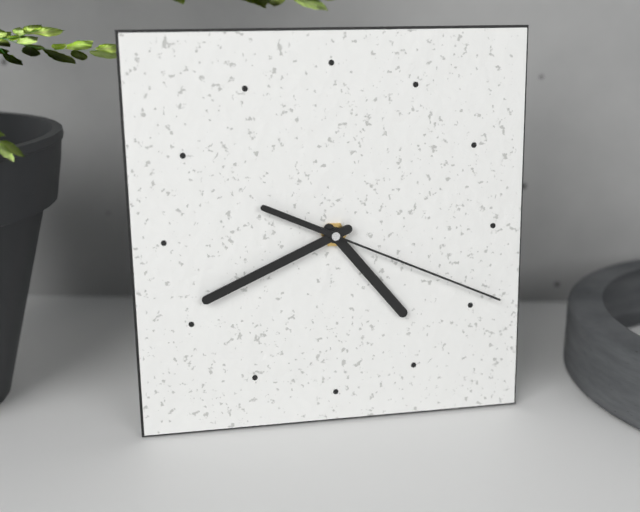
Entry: h=4 m=41 s=19
